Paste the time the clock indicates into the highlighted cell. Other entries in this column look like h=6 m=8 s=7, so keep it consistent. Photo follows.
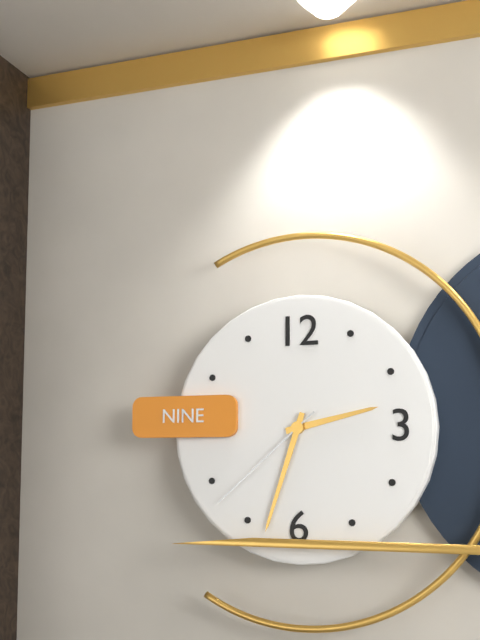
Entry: h=2 m=33 s=38
